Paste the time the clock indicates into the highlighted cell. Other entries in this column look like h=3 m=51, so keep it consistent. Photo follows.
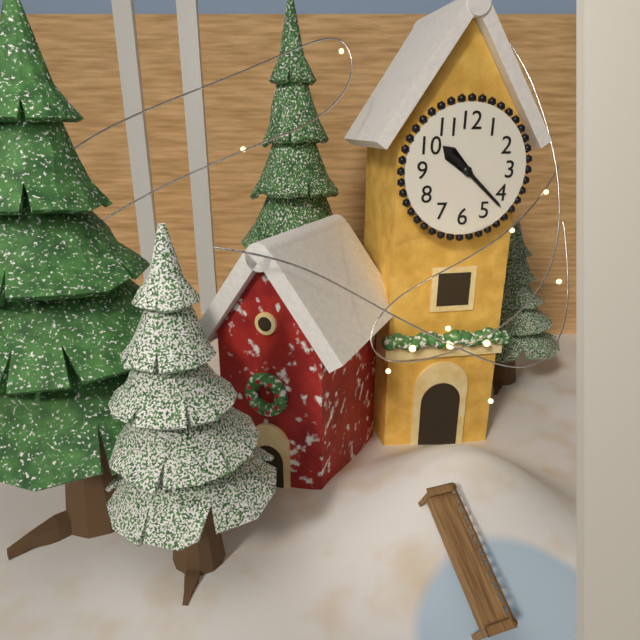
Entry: h=10 m=22
